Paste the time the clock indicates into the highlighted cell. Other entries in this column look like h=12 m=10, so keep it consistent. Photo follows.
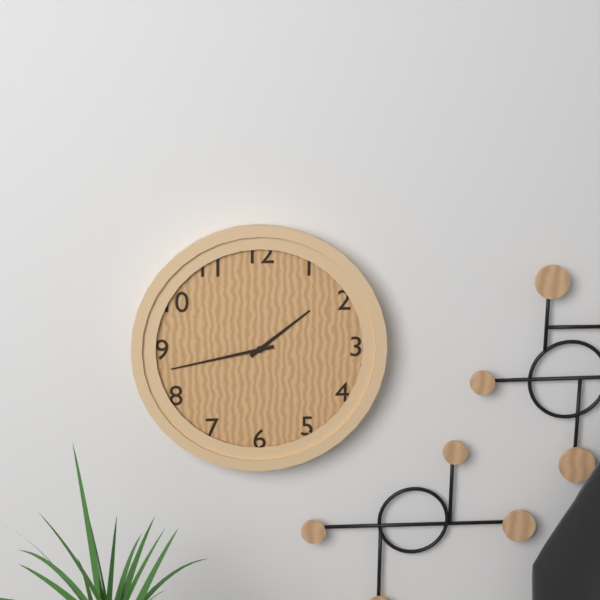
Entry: h=1 m=43
